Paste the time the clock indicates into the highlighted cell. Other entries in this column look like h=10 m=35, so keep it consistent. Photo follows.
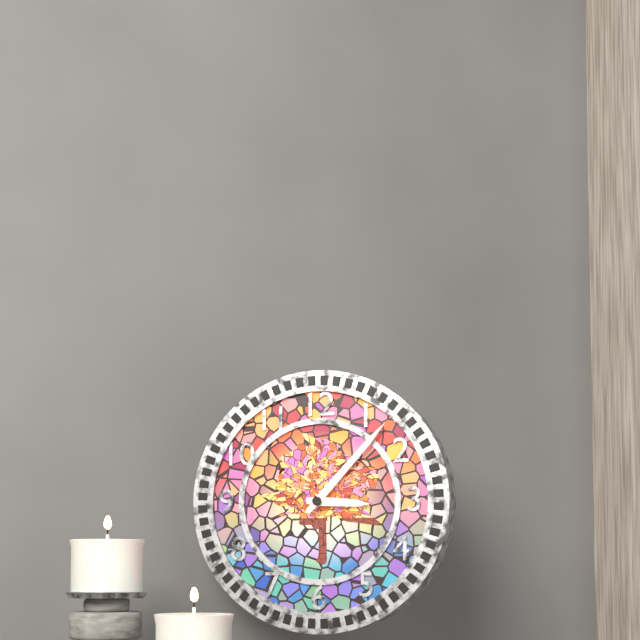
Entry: h=3 m=7
